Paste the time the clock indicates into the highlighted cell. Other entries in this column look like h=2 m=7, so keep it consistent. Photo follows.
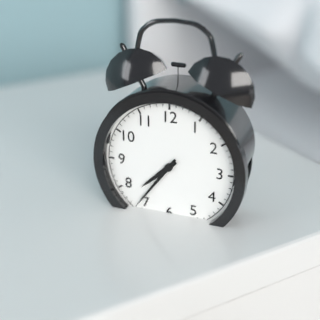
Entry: h=7 m=36
